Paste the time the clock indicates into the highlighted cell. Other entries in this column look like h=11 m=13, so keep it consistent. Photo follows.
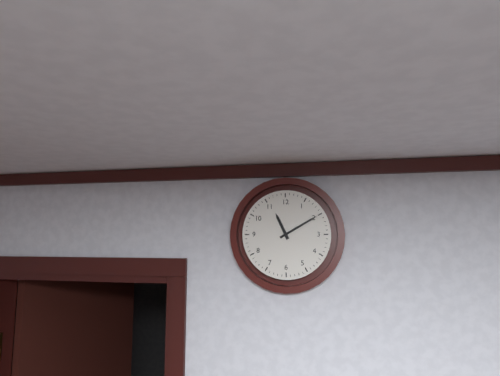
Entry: h=11 m=10
